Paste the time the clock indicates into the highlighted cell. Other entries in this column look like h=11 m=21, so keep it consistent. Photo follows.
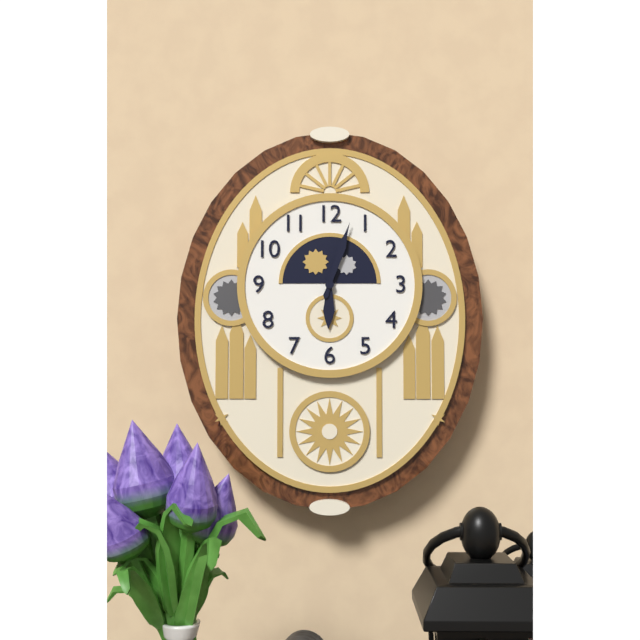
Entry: h=6 m=3
